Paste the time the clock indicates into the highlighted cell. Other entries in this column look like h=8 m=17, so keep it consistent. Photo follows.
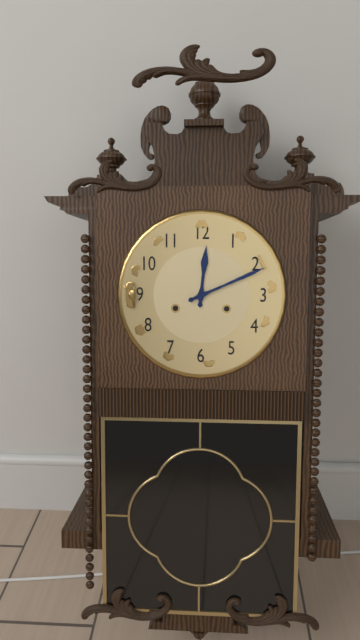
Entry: h=12 m=11
